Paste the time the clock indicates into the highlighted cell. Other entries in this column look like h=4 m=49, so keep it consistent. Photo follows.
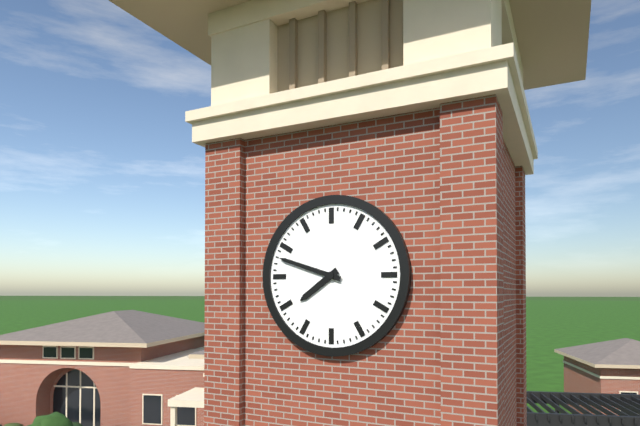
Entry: h=7 m=48
